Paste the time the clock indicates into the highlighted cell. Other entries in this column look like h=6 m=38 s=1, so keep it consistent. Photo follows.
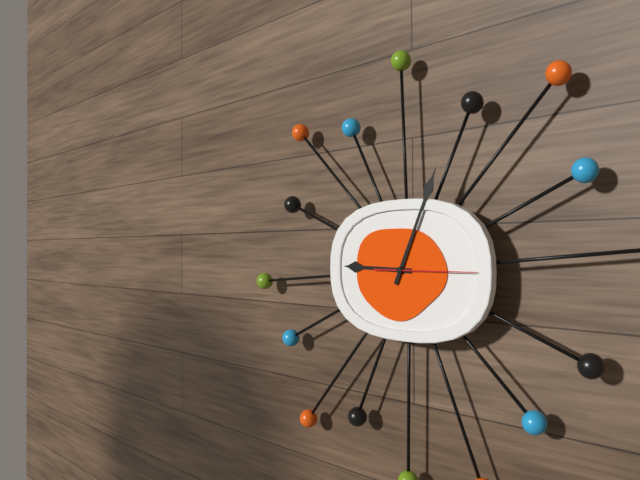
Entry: h=9 m=4 s=15
